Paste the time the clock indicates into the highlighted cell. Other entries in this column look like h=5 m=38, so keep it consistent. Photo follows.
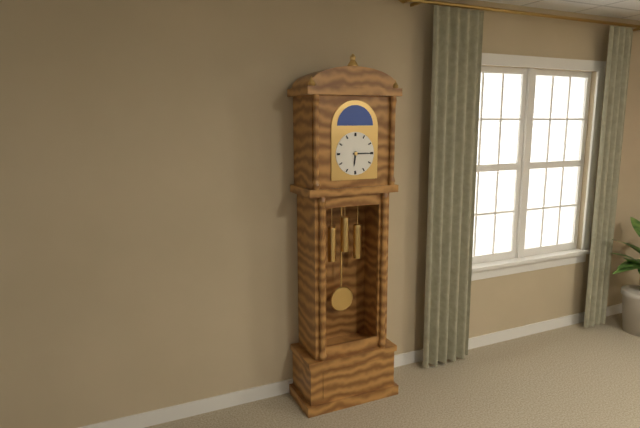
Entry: h=6 m=15
